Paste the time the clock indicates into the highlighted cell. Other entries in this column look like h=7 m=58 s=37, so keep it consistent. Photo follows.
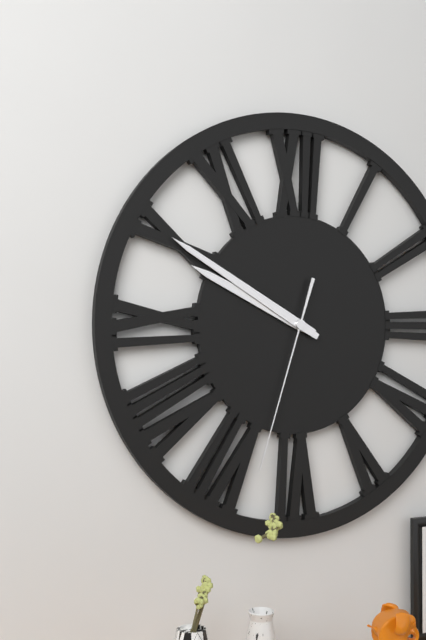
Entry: h=9 m=50 s=33
